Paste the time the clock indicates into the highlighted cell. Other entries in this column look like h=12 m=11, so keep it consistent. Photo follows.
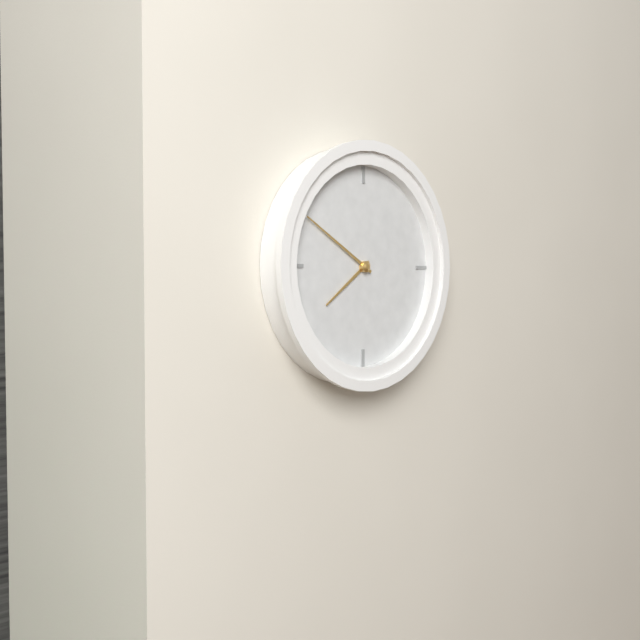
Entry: h=7 m=50
